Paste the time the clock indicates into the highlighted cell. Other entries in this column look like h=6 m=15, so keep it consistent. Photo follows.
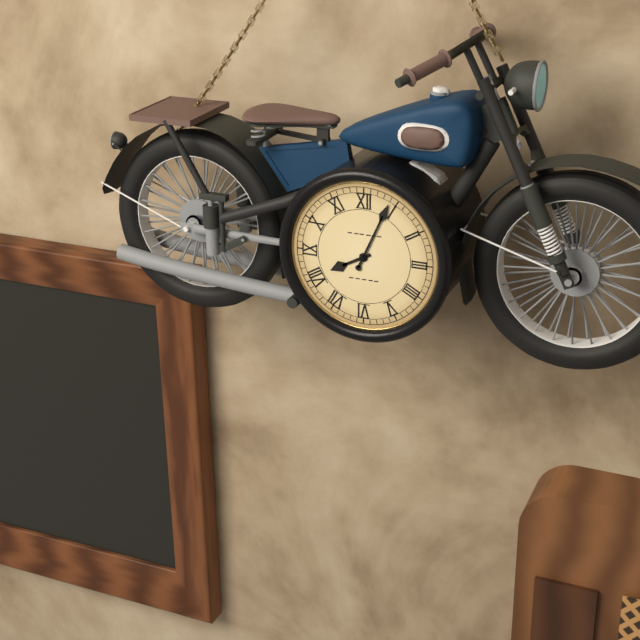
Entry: h=8 m=4
